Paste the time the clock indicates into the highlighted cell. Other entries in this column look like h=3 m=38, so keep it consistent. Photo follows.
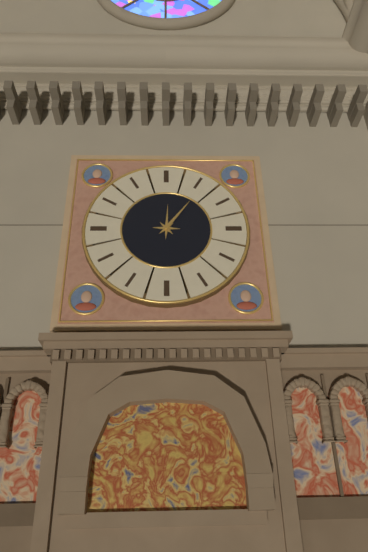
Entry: h=12 m=6
